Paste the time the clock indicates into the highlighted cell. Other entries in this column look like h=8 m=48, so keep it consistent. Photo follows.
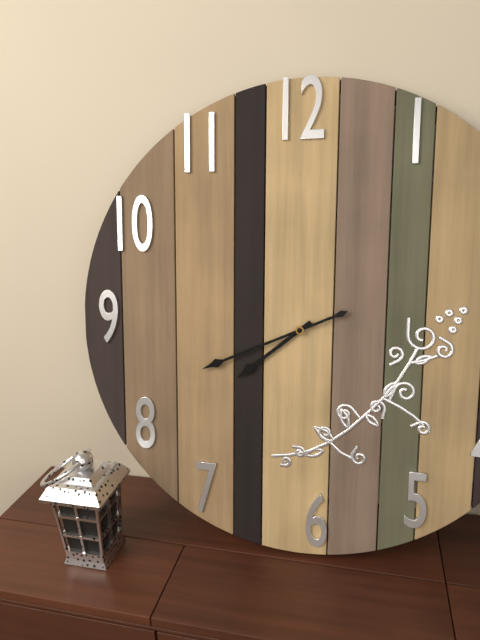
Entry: h=7 m=41
